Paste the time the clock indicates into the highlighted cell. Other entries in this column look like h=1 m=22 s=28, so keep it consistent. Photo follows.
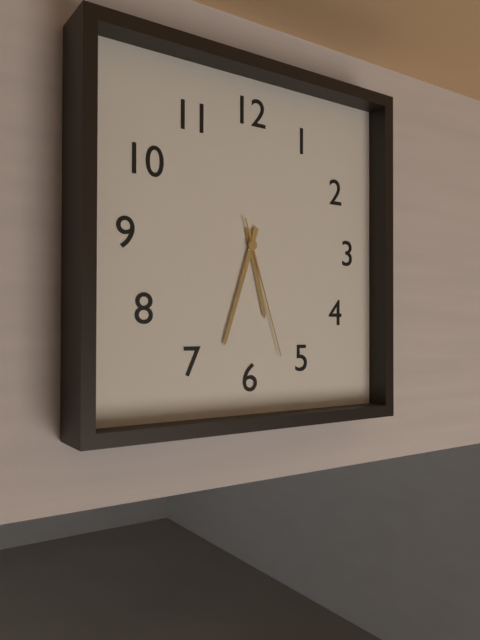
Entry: h=5 m=33 s=27
